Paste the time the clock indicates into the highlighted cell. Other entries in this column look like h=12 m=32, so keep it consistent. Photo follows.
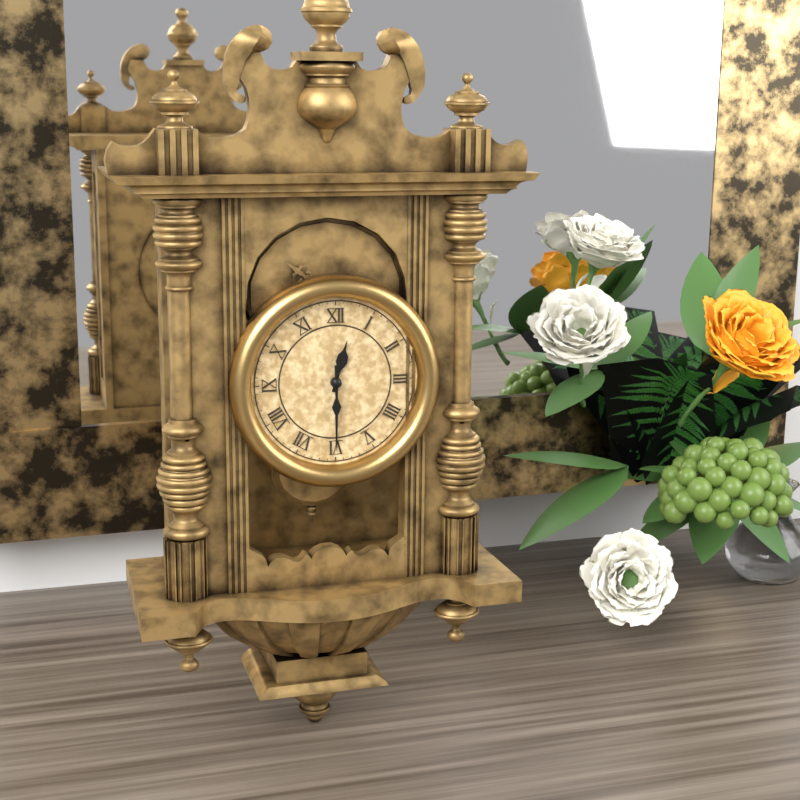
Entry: h=12 m=30
